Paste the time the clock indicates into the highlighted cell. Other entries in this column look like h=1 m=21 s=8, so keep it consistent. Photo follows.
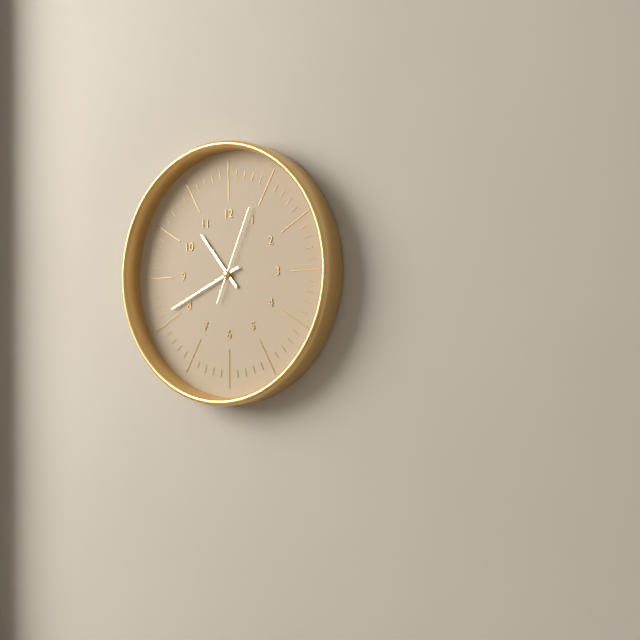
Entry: h=10 m=41 s=4
